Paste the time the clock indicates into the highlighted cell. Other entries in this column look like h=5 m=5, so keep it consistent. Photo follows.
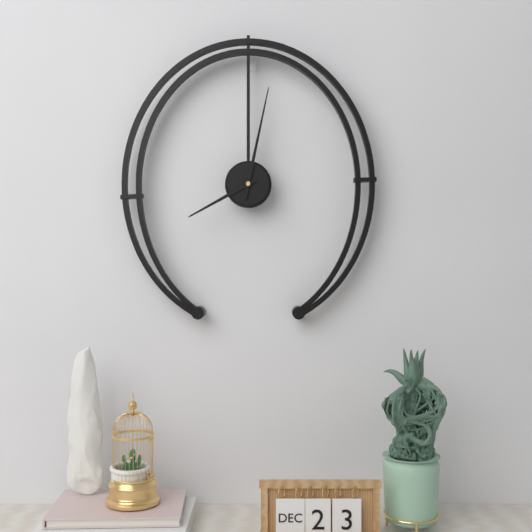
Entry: h=8 m=2
